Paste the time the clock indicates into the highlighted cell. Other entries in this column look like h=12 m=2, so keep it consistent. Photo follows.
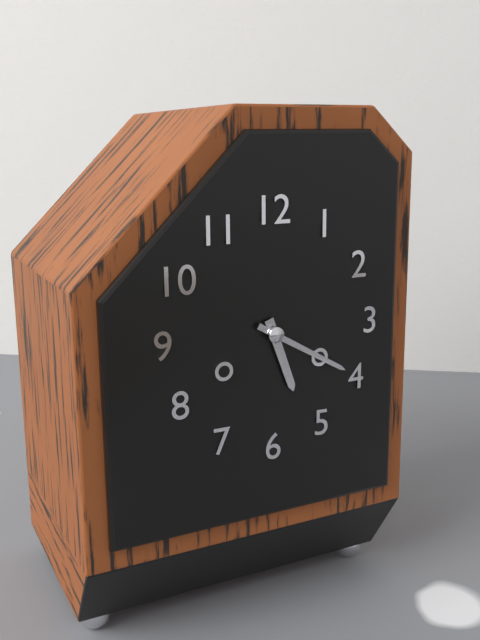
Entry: h=5 m=20
